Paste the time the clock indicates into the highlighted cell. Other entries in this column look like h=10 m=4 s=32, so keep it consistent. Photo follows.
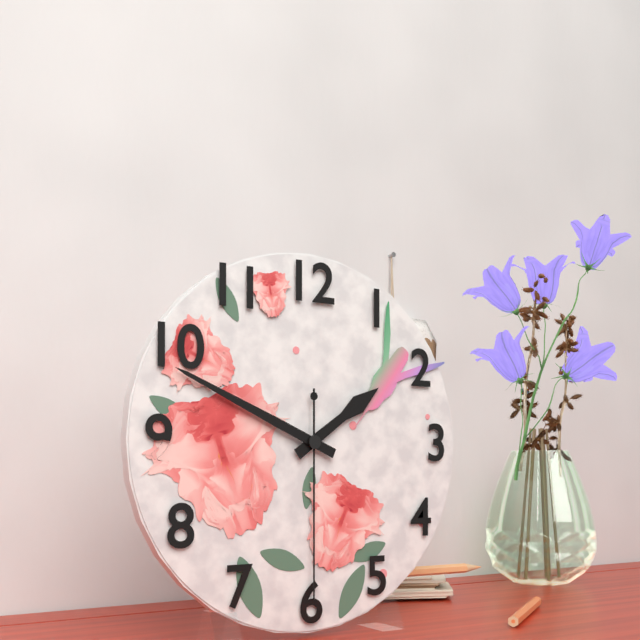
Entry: h=1 m=49 s=30
